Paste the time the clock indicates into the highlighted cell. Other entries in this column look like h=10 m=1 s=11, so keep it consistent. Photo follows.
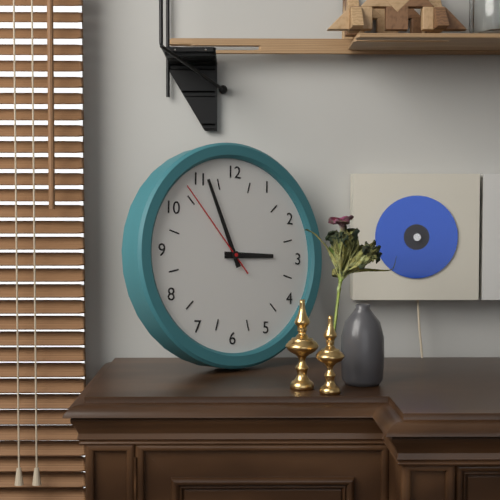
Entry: h=2 m=56 s=53
